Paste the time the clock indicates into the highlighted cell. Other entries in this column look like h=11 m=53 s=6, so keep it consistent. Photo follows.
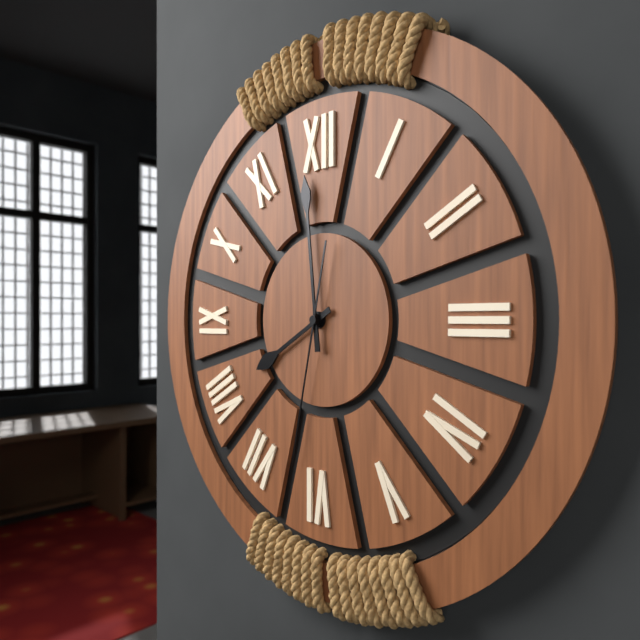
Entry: h=7 m=59 s=32
